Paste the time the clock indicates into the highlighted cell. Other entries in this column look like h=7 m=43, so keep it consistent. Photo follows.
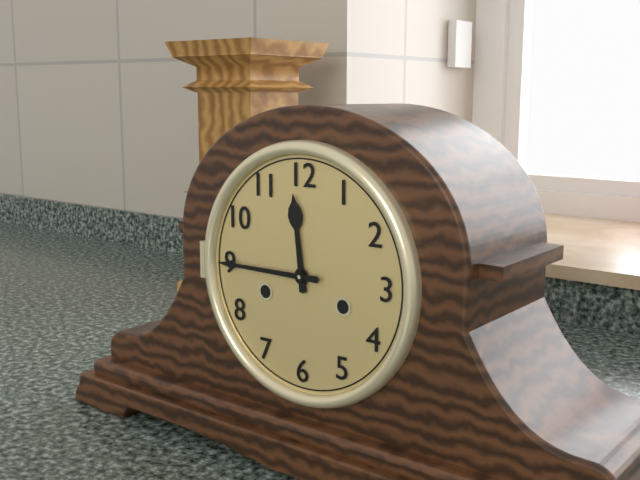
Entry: h=11 m=45
